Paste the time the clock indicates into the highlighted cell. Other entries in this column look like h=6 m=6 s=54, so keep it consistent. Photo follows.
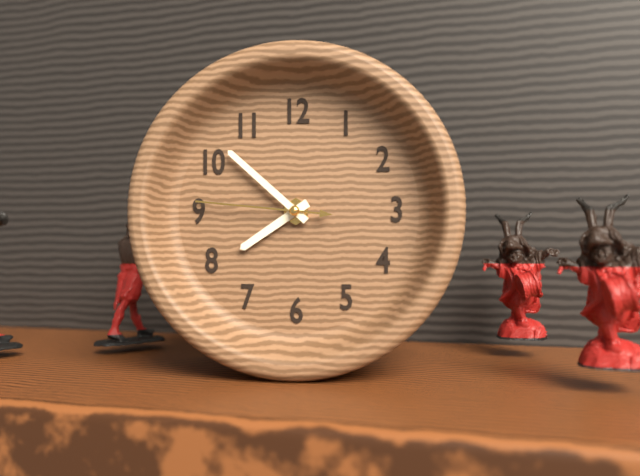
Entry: h=7 m=52 s=46
